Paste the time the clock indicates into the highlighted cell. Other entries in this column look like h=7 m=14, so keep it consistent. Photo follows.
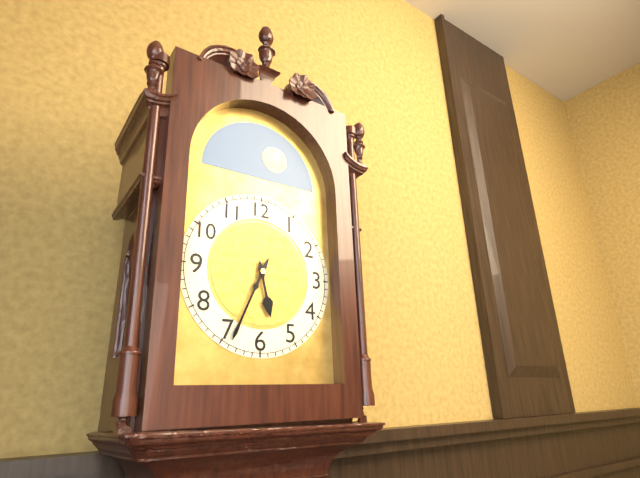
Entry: h=5 m=34
